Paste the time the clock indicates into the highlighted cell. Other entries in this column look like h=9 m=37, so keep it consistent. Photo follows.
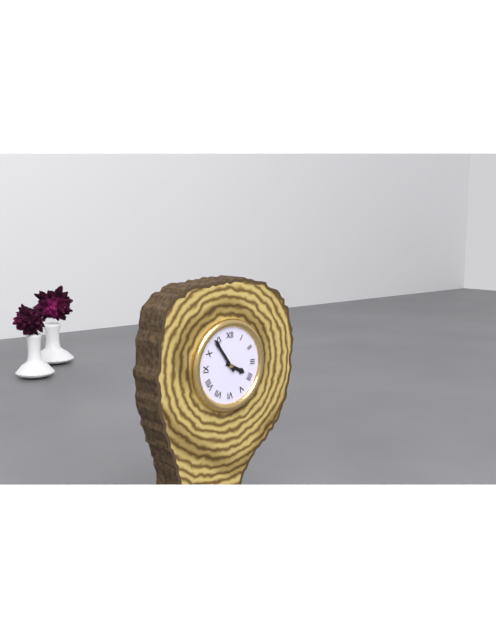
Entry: h=3 m=54
